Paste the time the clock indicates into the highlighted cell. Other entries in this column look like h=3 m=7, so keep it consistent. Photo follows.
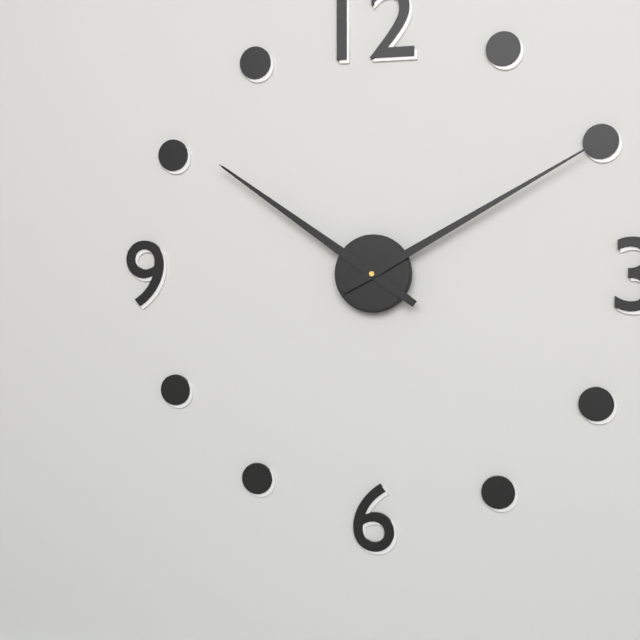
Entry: h=10 m=10
